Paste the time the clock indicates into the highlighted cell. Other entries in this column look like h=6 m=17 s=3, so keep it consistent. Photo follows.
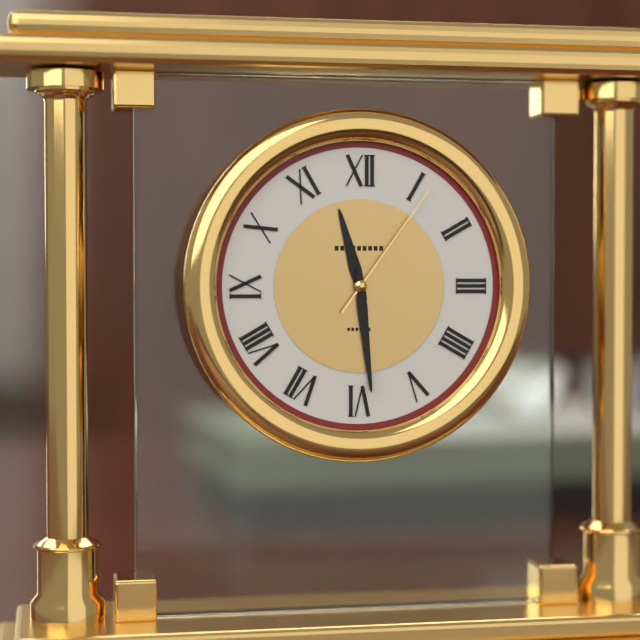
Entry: h=11 m=29 s=6
